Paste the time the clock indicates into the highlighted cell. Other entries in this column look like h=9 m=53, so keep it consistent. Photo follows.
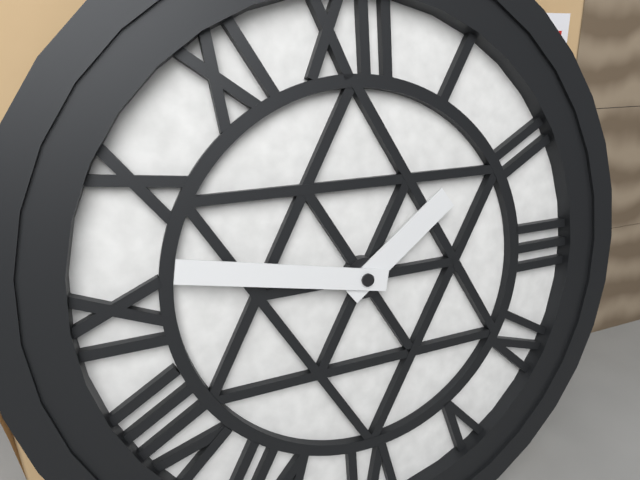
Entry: h=1 m=47
